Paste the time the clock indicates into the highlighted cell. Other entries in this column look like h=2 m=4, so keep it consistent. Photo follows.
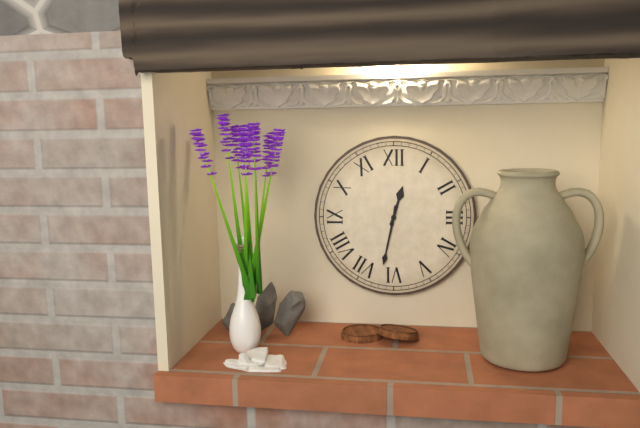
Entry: h=12 m=32
